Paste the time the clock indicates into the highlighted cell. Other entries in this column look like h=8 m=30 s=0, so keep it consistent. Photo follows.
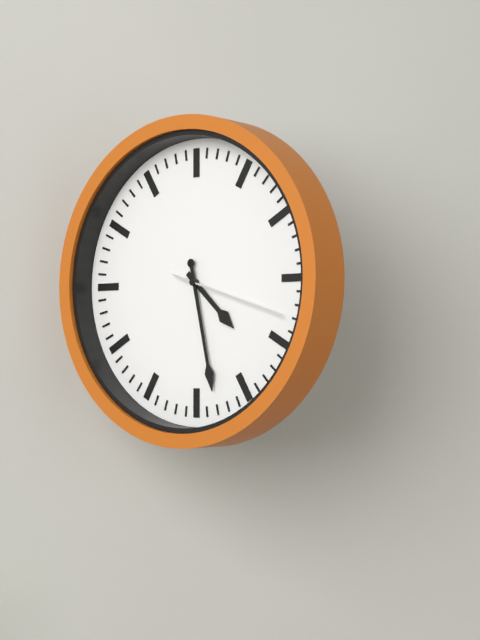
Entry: h=4 m=28 s=18
